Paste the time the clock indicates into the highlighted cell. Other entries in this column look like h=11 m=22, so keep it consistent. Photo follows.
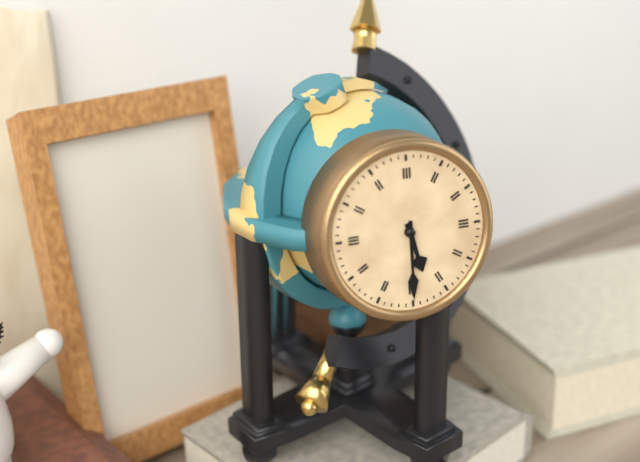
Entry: h=5 m=30
